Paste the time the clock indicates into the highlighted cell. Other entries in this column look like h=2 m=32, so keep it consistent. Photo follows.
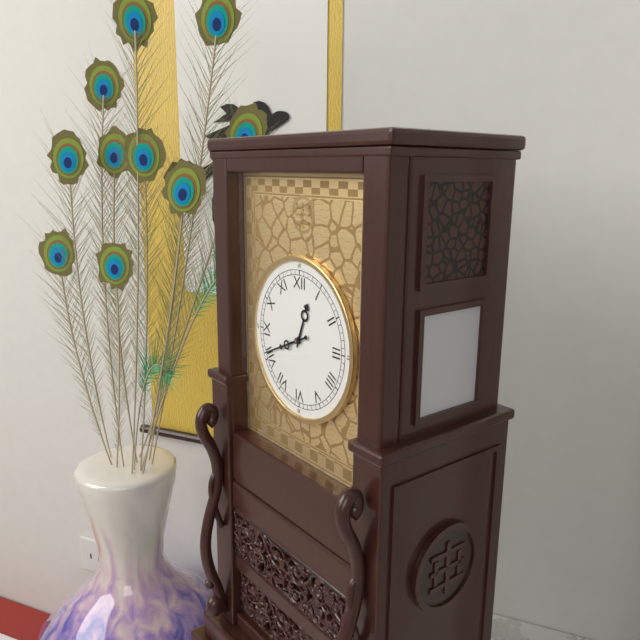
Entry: h=12 m=41
